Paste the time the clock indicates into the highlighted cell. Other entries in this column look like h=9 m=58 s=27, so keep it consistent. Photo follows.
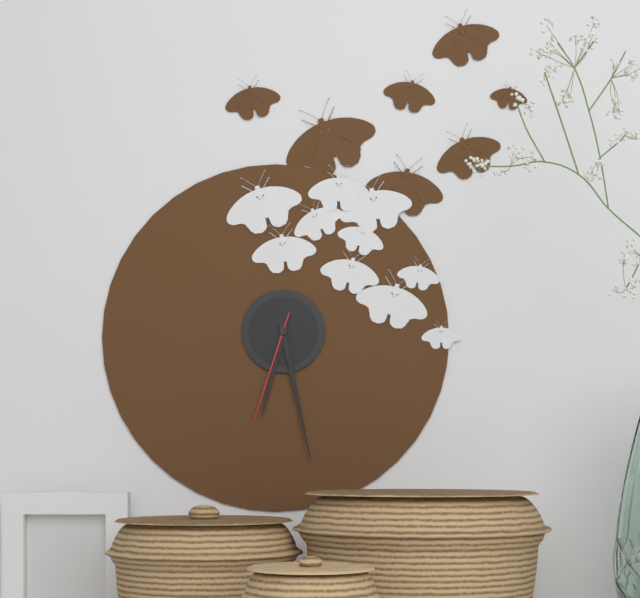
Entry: h=6 m=28 s=33
